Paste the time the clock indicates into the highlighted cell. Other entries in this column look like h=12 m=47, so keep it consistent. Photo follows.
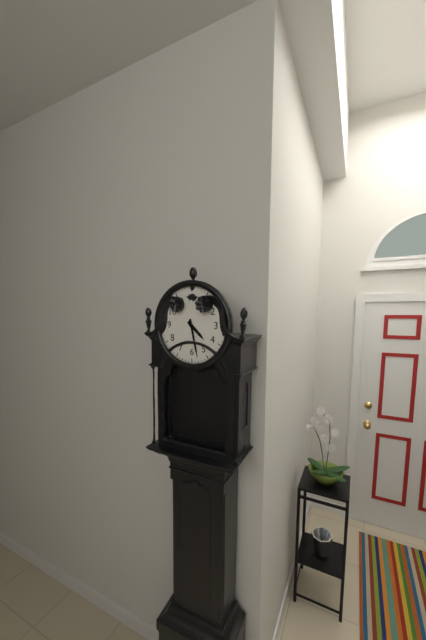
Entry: h=4 m=28
